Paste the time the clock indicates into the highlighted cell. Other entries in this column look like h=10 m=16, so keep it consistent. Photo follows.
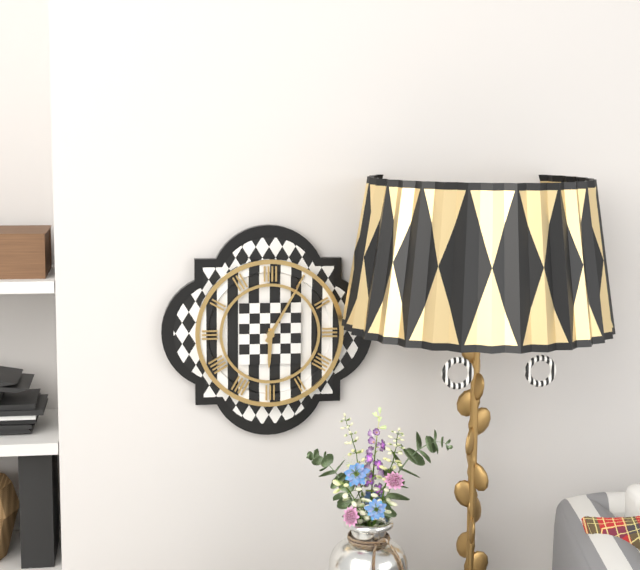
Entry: h=6 m=5
